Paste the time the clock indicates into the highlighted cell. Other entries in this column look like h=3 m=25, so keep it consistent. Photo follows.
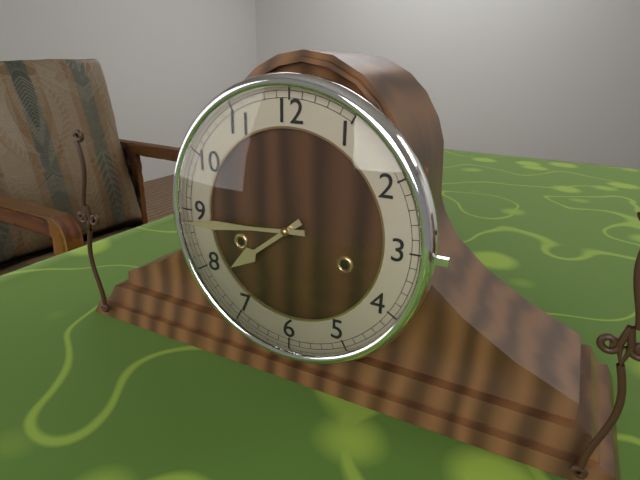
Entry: h=7 m=44
